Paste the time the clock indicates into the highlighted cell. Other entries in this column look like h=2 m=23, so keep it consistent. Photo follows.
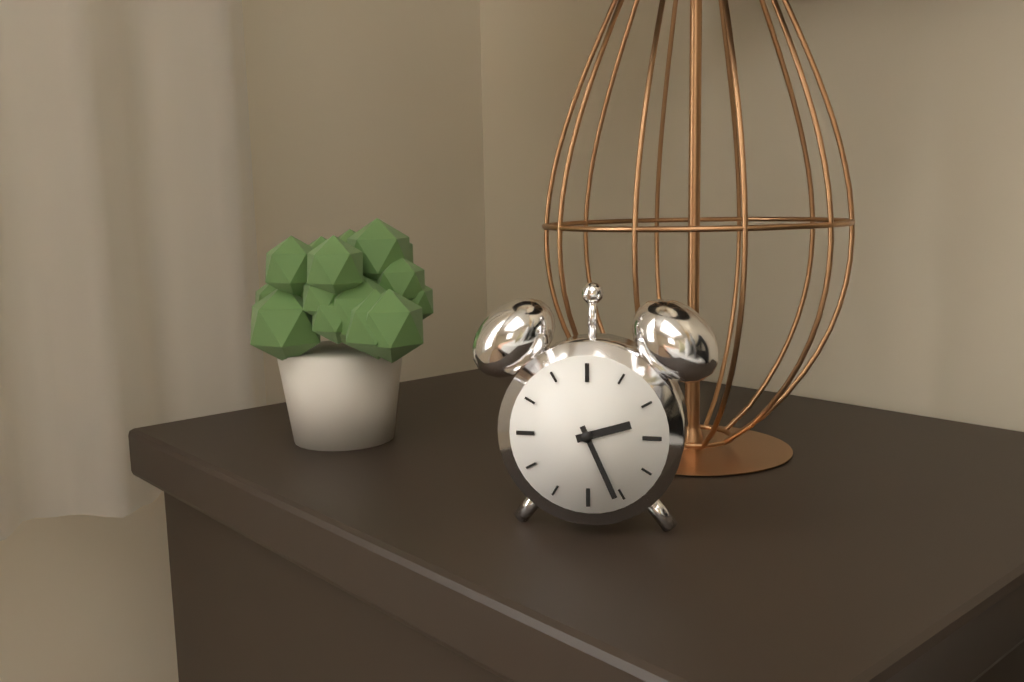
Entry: h=2 m=26
